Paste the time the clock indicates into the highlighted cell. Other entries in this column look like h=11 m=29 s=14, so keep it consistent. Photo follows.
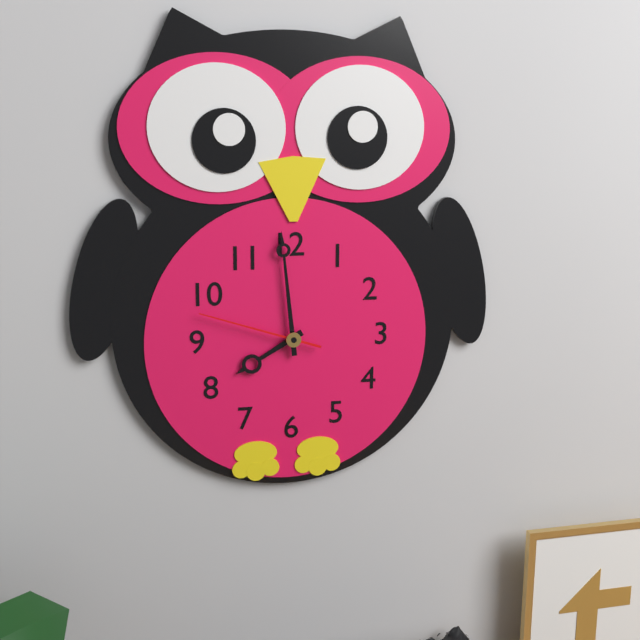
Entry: h=7 m=59 s=48
